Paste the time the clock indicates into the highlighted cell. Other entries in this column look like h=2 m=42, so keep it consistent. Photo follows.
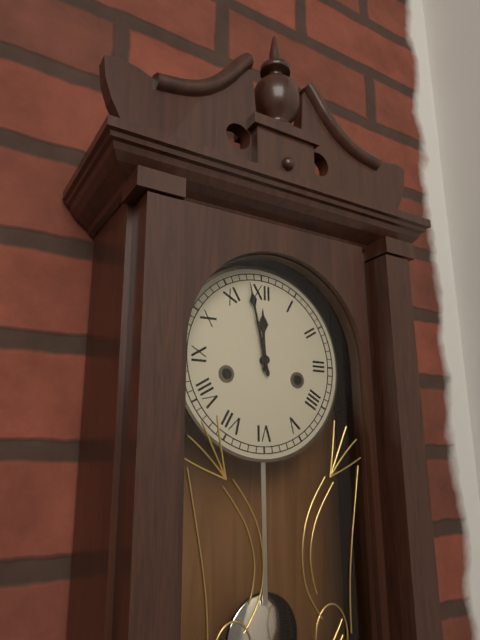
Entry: h=11 m=58
